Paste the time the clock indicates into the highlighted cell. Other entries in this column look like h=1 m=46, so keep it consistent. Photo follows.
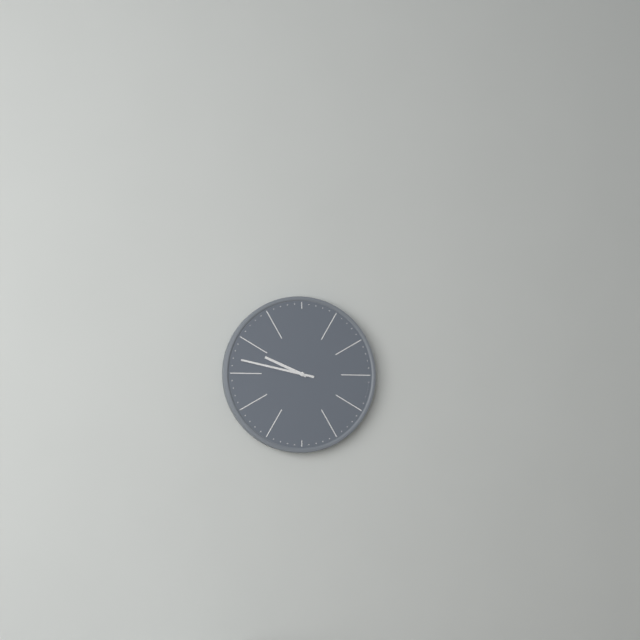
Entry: h=9 m=47
